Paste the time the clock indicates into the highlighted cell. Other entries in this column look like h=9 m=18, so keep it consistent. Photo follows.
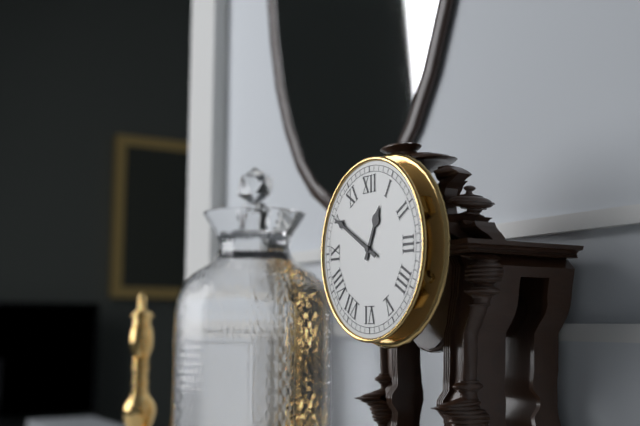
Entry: h=12 m=50
